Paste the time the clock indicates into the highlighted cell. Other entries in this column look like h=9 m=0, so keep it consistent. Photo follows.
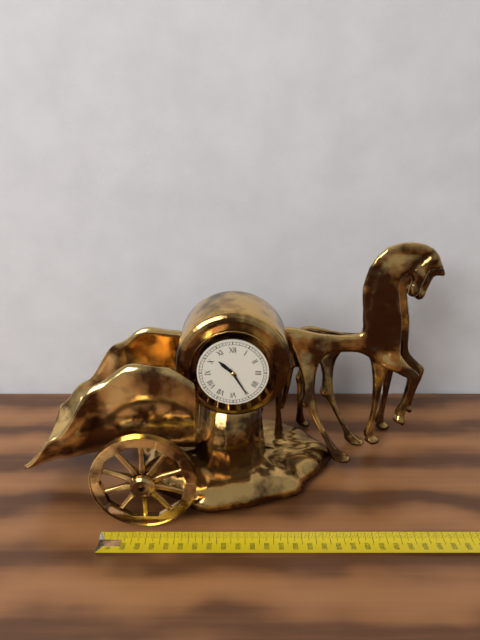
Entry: h=10 m=25
